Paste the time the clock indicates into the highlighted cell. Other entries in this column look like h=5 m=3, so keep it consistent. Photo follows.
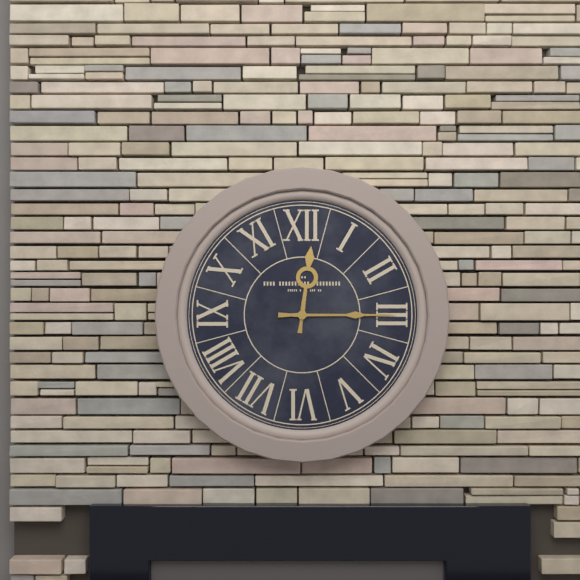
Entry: h=12 m=15
